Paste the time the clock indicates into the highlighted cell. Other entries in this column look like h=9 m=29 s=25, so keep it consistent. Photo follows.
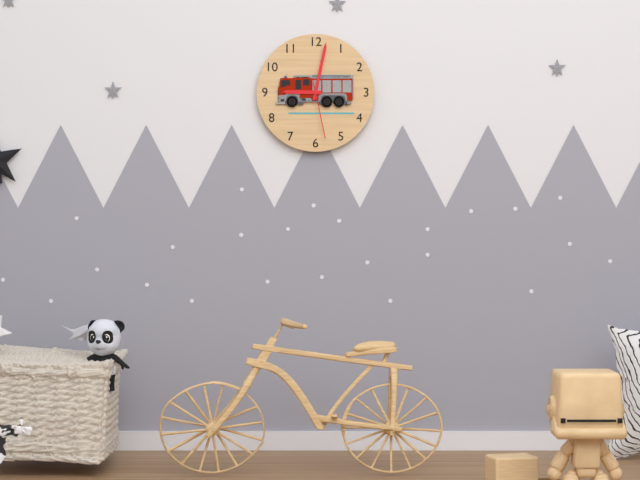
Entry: h=9 m=2 s=28
